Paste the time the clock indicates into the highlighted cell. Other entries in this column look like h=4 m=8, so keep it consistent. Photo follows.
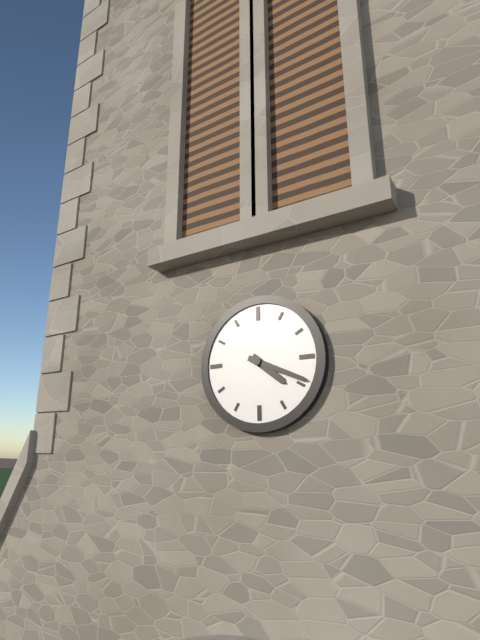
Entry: h=4 m=19
